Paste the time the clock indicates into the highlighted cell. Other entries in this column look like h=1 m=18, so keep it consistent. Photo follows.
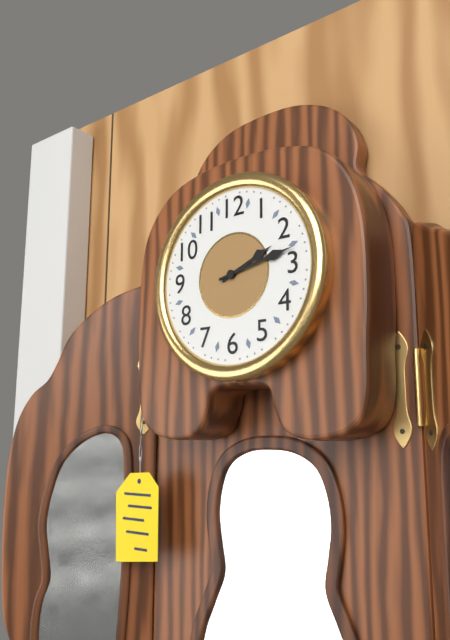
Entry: h=2 m=13
